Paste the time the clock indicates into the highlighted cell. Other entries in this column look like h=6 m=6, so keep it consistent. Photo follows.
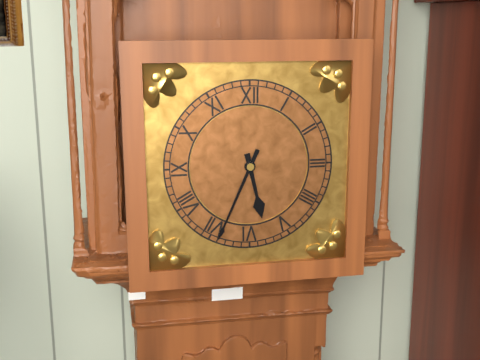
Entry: h=5 m=34
